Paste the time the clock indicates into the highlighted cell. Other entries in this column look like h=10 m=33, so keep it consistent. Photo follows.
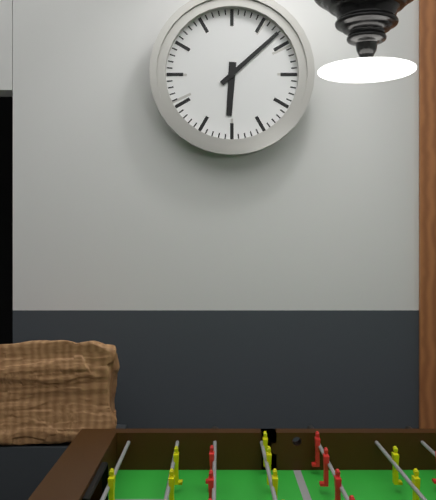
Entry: h=6 m=8
